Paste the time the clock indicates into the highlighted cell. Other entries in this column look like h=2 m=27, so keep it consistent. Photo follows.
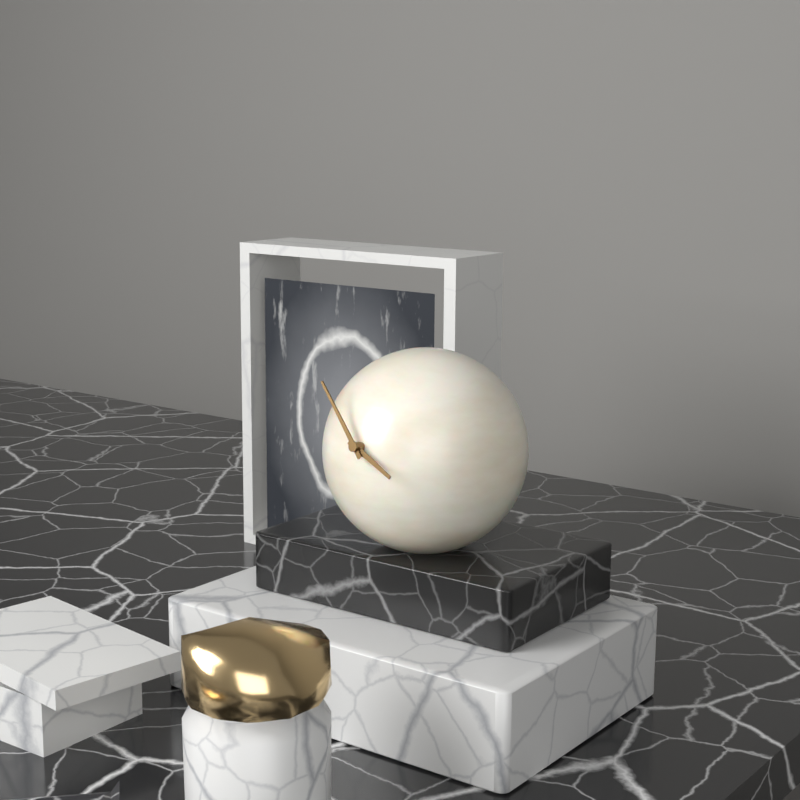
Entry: h=3 m=53
